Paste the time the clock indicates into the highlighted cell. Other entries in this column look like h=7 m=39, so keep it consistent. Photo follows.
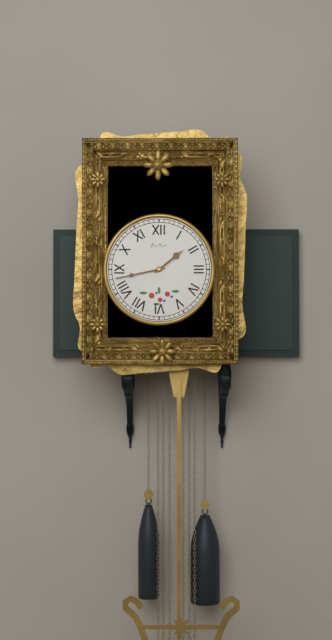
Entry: h=1 m=43
